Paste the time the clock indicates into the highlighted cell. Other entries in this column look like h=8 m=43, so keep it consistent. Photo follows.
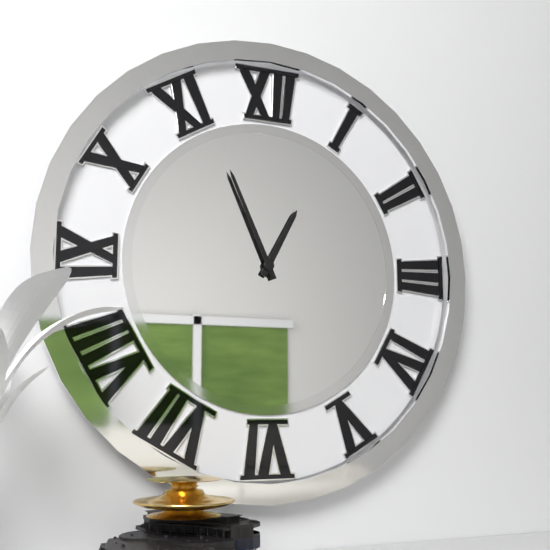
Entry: h=12 m=56
